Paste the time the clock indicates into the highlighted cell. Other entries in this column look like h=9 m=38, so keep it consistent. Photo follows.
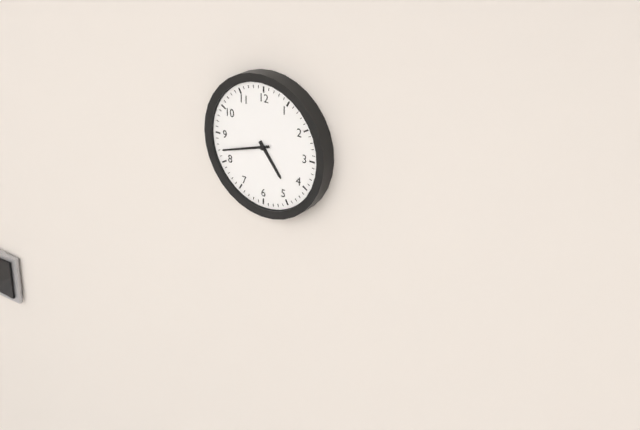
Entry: h=4 m=42
